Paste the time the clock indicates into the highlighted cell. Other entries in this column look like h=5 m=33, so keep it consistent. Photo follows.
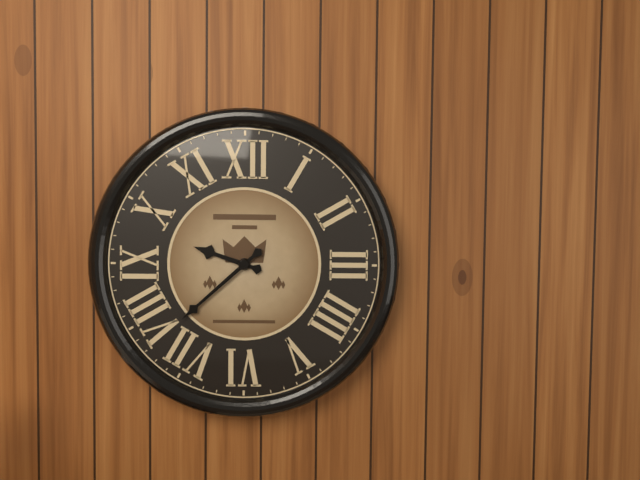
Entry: h=9 m=38
